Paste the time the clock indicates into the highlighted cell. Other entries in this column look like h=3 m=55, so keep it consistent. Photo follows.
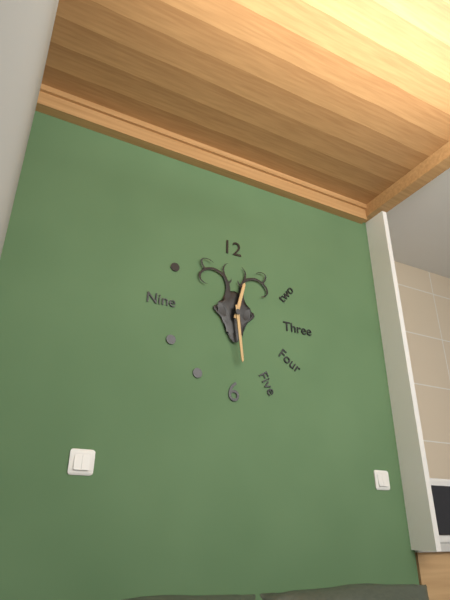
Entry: h=12 m=29
